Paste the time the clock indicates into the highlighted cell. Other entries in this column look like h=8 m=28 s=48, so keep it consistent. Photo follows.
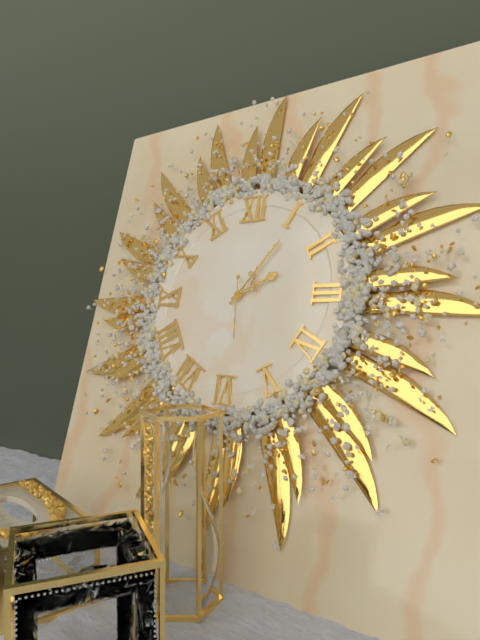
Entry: h=2 m=6 s=29
